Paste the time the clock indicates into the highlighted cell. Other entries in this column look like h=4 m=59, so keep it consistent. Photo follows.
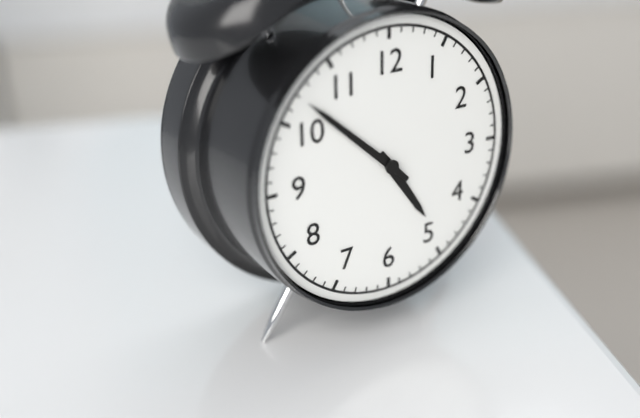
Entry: h=4 m=52
